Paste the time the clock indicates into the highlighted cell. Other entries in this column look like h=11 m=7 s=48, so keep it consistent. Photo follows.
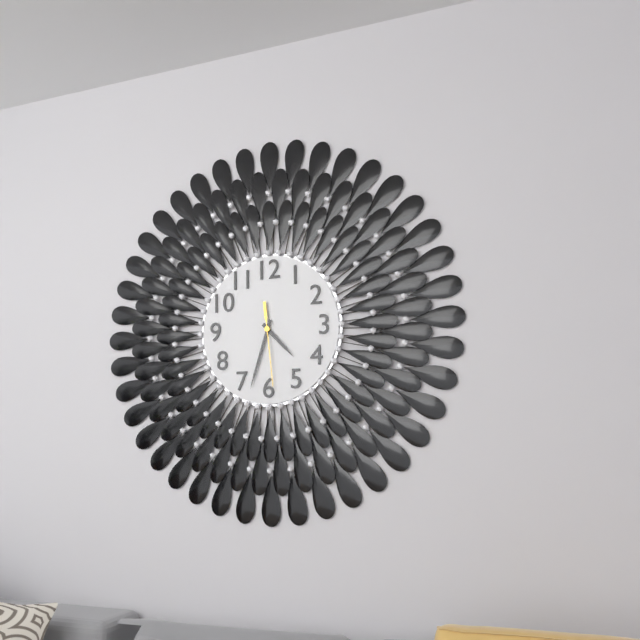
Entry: h=4 m=33 s=29
